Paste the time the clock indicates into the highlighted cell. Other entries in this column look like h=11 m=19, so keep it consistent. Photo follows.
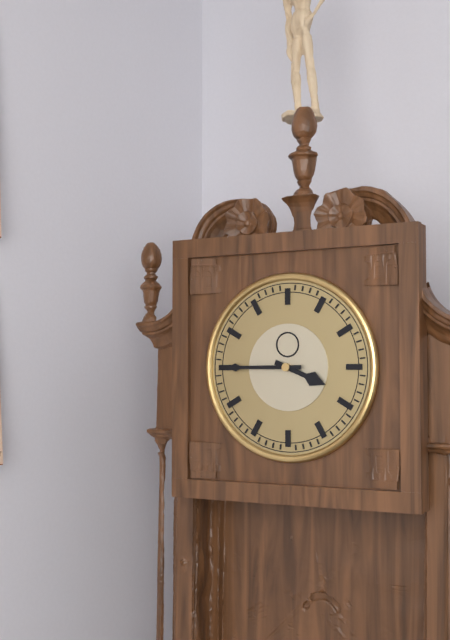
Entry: h=3 m=45
